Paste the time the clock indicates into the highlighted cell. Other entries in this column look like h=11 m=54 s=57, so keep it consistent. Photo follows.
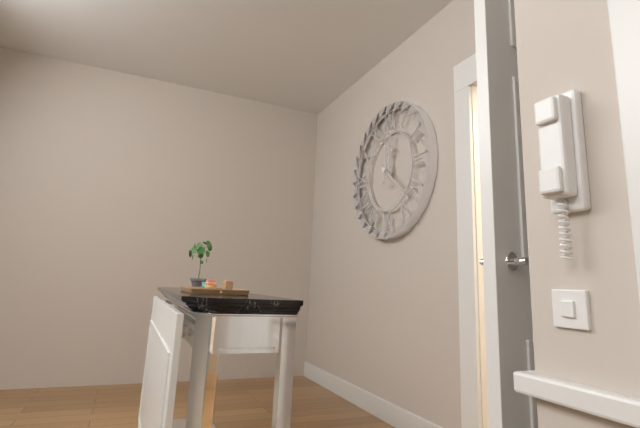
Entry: h=12 m=22 s=0
